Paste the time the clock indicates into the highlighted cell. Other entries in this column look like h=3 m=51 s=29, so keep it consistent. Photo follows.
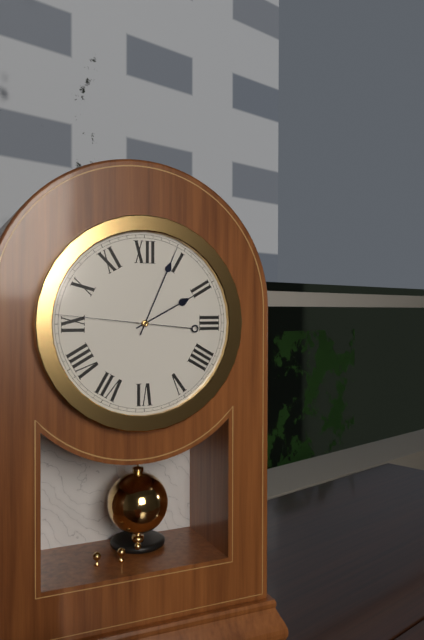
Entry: h=2 m=4 s=46
